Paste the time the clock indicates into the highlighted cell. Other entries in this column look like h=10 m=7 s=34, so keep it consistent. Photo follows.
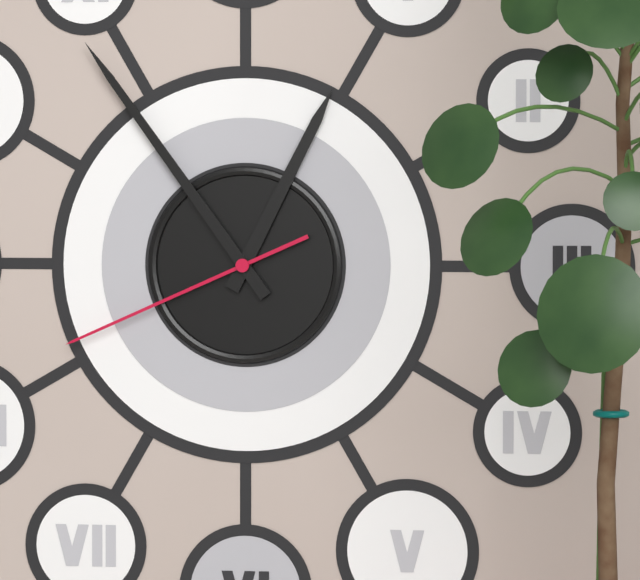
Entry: h=12 m=54 s=41
